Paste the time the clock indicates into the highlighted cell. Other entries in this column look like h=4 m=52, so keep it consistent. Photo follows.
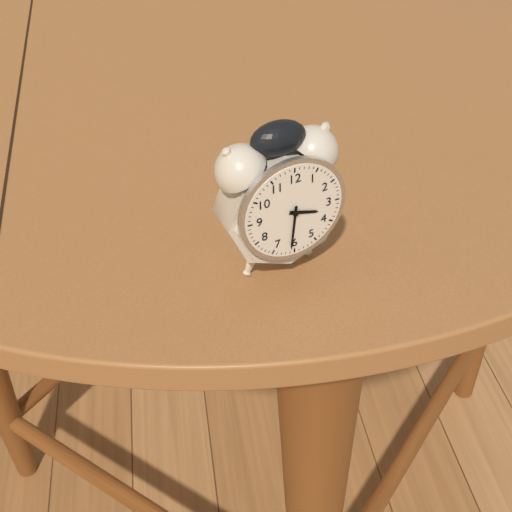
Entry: h=3 m=31
